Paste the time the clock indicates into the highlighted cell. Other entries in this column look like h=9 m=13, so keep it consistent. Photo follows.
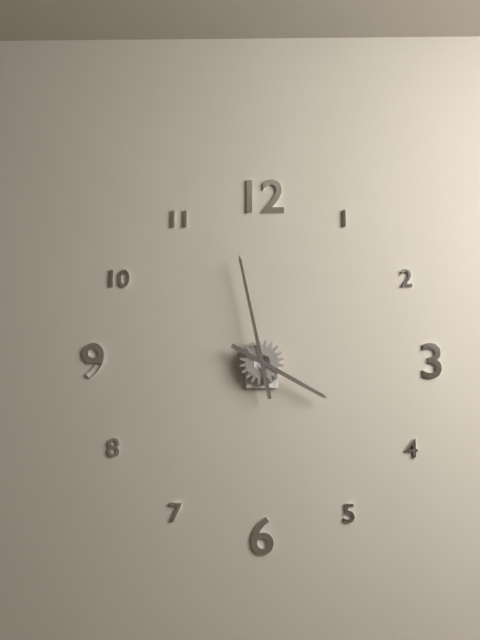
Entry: h=3 m=58
